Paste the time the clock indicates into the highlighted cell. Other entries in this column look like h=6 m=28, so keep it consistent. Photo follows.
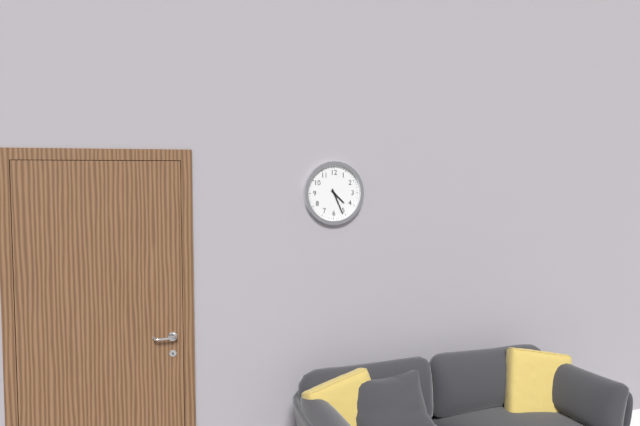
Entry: h=4 m=26
